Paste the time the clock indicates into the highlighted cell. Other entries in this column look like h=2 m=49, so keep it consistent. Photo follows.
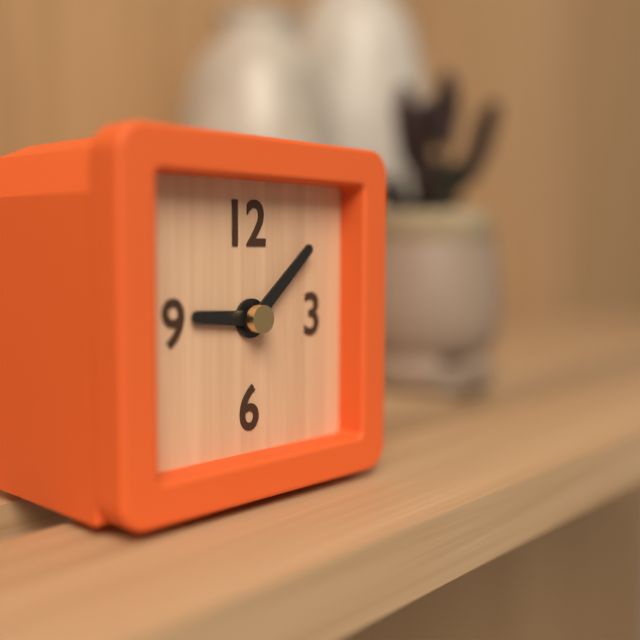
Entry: h=9 m=8
